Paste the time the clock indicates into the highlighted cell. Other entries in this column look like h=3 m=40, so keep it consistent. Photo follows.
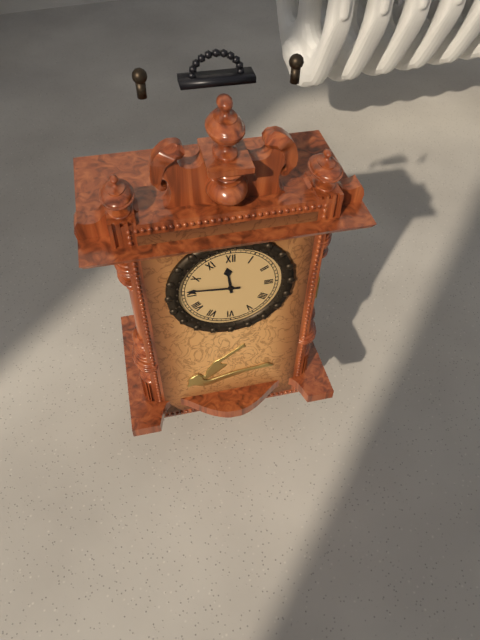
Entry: h=11 m=46
